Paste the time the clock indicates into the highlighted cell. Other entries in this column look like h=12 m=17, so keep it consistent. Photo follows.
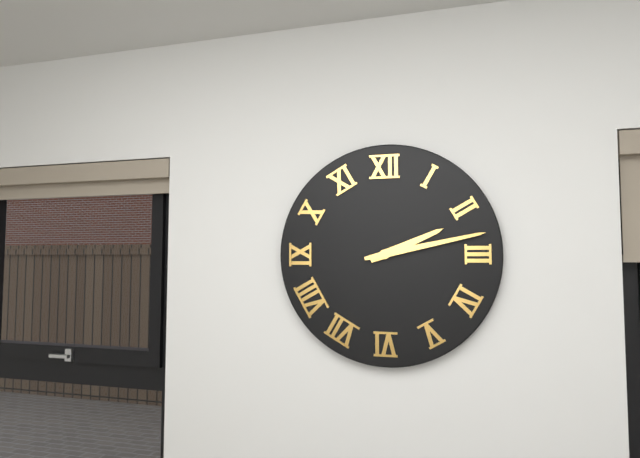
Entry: h=2 m=13
